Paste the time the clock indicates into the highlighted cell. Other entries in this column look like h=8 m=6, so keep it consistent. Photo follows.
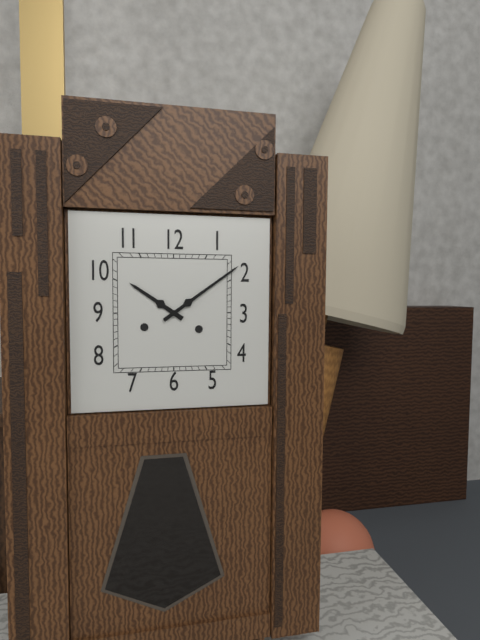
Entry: h=10 m=9
